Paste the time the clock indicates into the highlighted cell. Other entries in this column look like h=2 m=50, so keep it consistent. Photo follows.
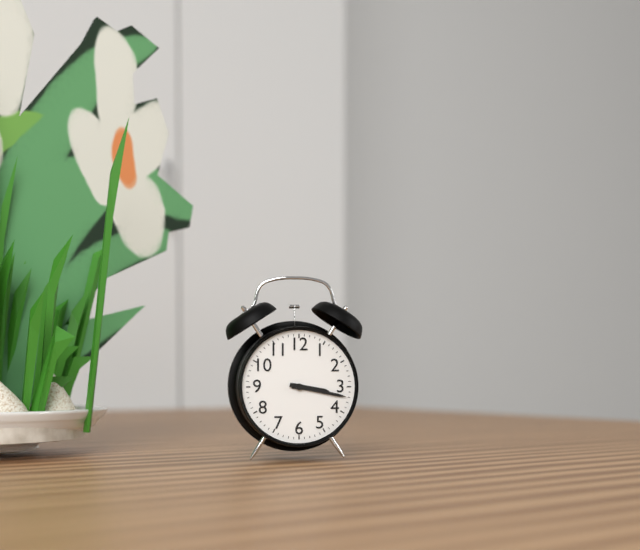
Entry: h=3 m=17
